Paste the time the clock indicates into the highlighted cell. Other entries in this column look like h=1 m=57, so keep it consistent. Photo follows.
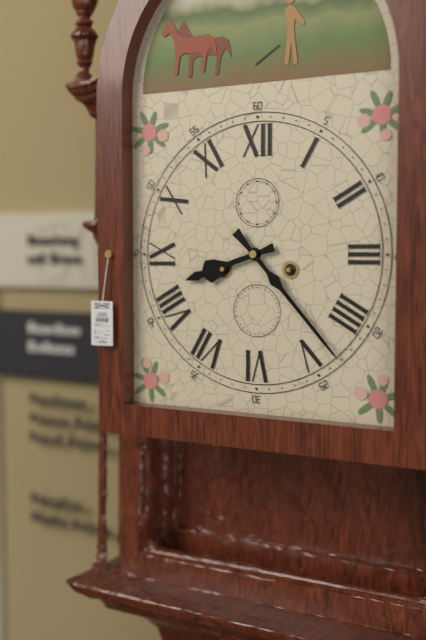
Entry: h=8 m=23
